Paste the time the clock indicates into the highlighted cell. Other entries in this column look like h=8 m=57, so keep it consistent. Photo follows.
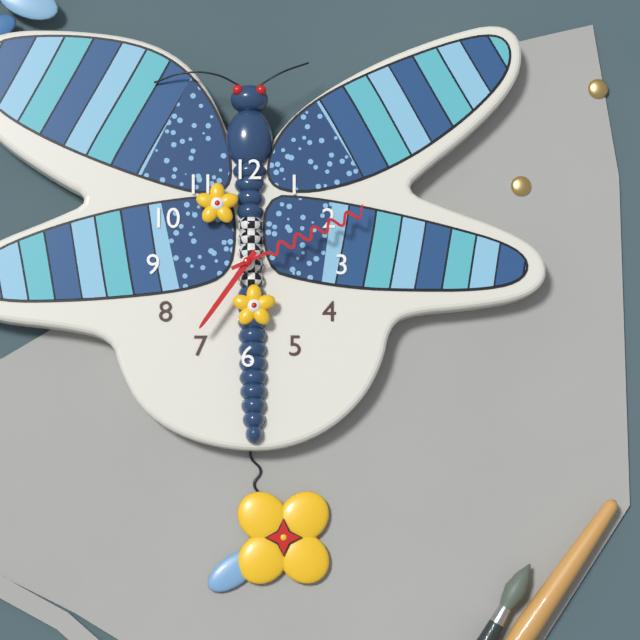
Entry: h=7 m=11
